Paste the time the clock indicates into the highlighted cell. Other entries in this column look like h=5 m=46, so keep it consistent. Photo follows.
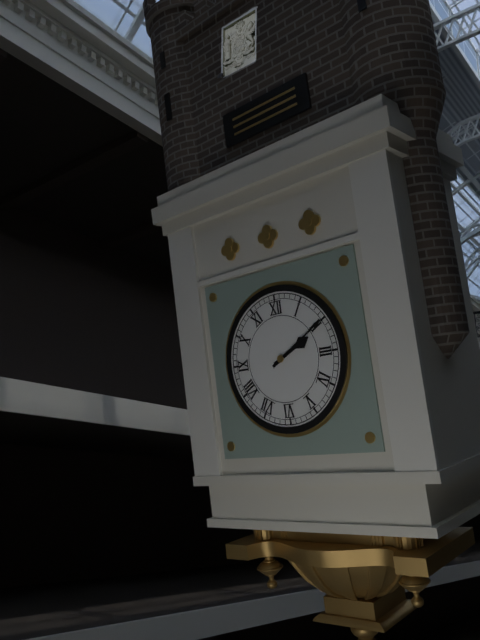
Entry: h=2 m=10
